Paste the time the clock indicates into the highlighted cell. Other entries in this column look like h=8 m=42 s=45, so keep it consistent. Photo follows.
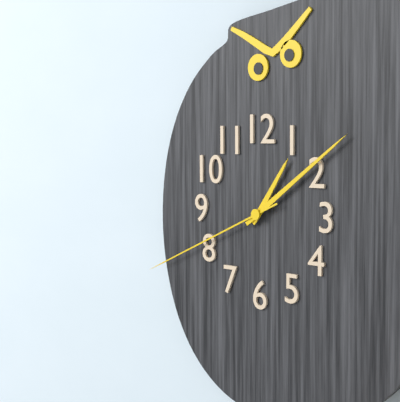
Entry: h=1 m=9 s=41
